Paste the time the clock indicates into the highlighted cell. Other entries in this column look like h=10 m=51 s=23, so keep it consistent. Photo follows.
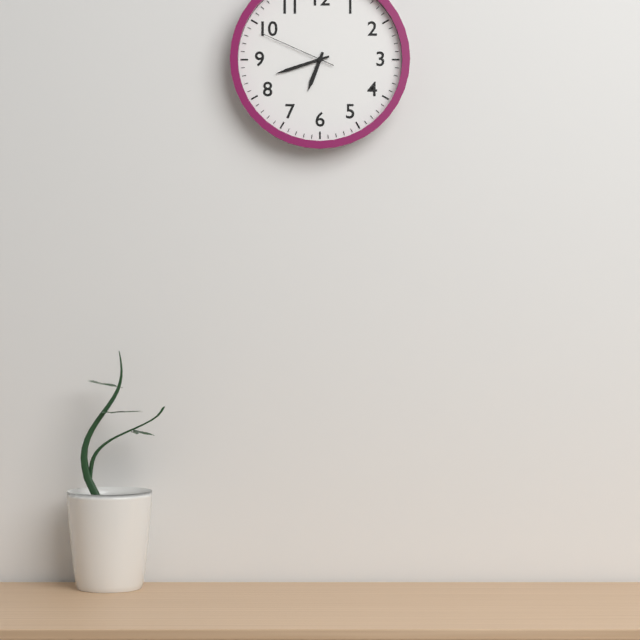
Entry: h=6 m=42 s=49
